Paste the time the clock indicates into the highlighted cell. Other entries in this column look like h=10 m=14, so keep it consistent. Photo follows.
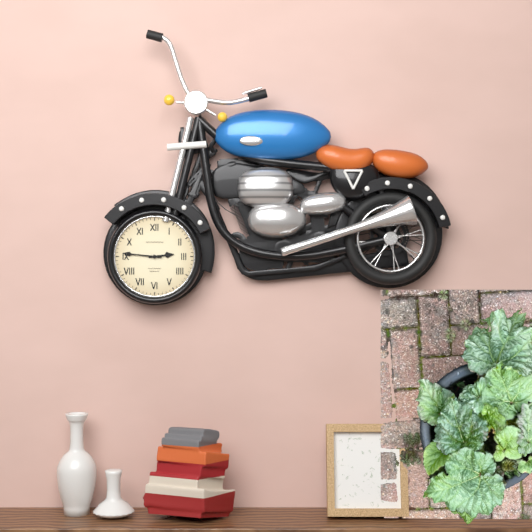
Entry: h=2 m=46
